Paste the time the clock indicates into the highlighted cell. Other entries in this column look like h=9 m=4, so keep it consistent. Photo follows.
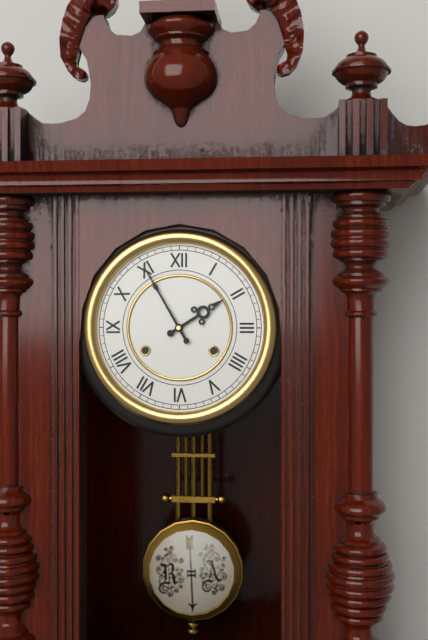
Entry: h=1 m=55
